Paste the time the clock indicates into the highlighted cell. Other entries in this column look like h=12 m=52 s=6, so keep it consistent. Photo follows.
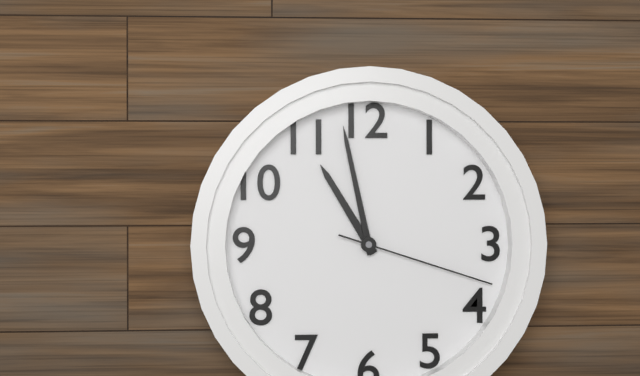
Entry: h=10 m=58 s=18
